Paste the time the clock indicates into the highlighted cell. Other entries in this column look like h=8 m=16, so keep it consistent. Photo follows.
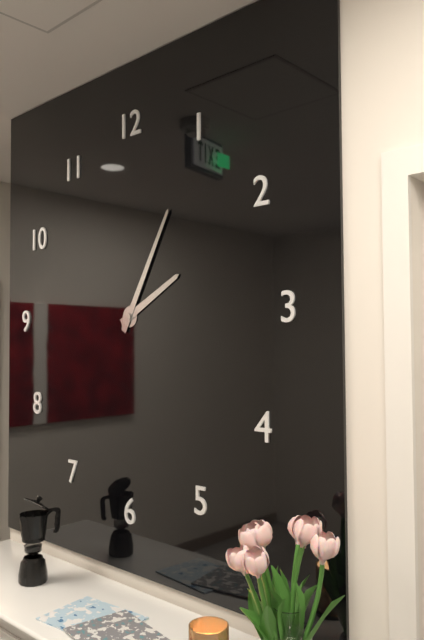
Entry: h=2 m=5
